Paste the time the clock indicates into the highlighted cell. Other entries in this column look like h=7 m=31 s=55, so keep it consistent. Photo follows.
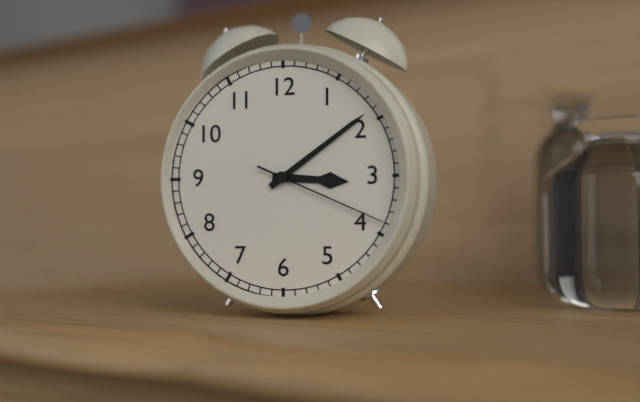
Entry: h=3 m=9 s=19
